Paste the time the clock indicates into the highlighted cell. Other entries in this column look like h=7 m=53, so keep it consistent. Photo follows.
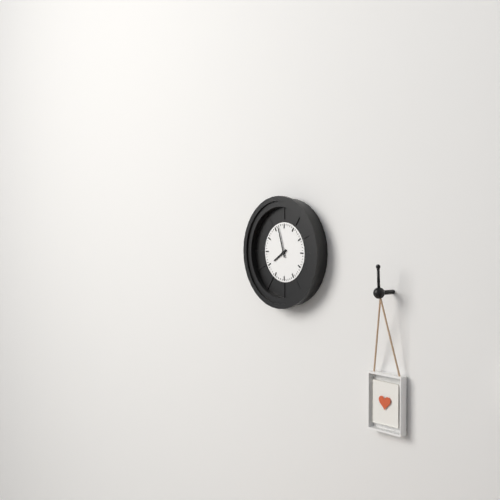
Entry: h=7 m=57
